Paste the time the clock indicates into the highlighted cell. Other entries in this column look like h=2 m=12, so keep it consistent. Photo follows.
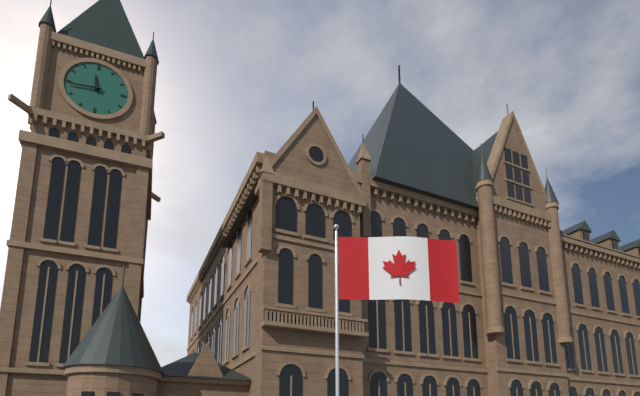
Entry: h=11 m=44
